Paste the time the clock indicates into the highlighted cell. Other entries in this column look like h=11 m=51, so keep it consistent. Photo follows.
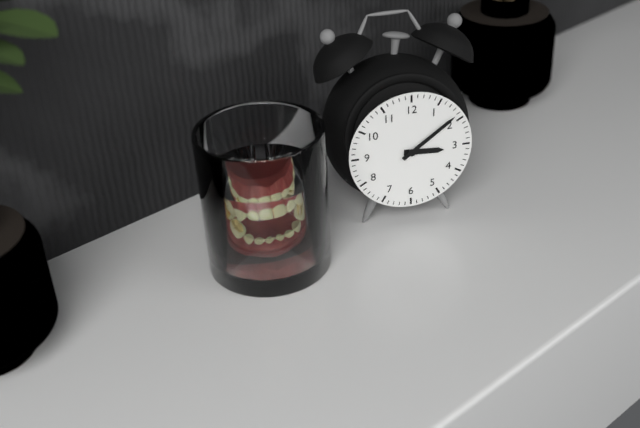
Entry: h=3 m=9
